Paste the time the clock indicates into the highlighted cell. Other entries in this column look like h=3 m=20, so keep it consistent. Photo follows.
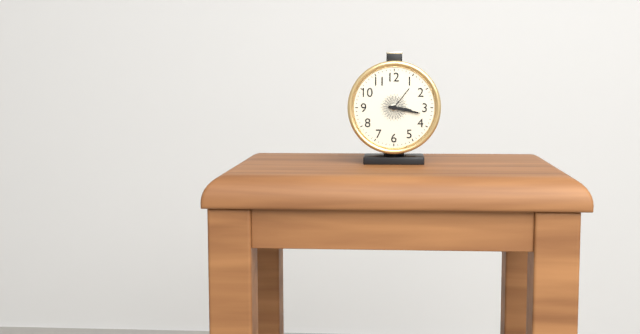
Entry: h=3 m=17
